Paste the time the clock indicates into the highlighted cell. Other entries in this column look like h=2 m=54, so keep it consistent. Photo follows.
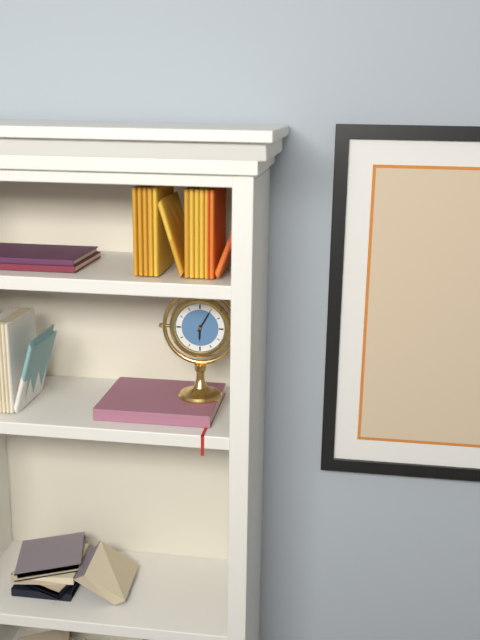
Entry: h=6 m=5
